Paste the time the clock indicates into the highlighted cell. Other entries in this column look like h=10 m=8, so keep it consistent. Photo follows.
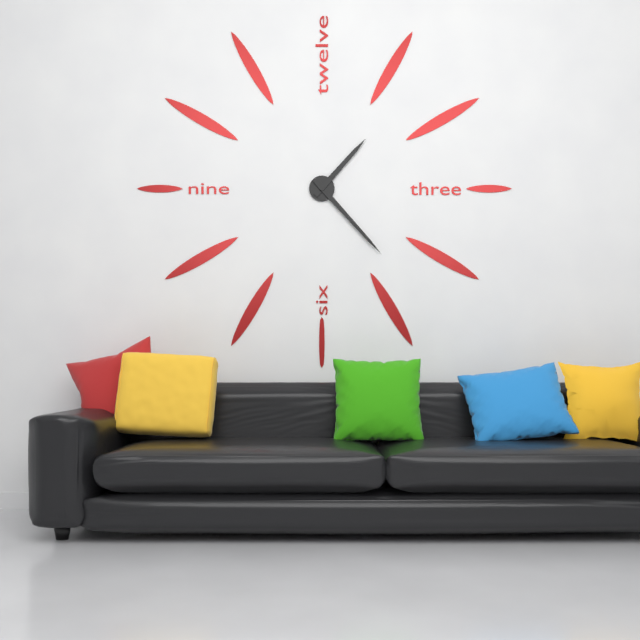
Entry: h=1 m=23
